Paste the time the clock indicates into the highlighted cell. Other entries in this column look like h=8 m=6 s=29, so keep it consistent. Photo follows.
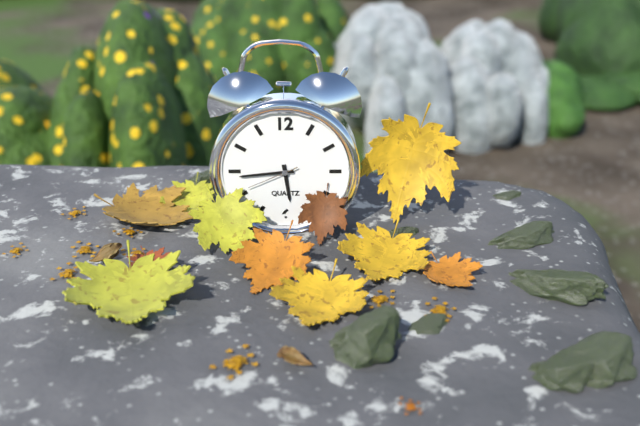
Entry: h=5 m=44 s=41
